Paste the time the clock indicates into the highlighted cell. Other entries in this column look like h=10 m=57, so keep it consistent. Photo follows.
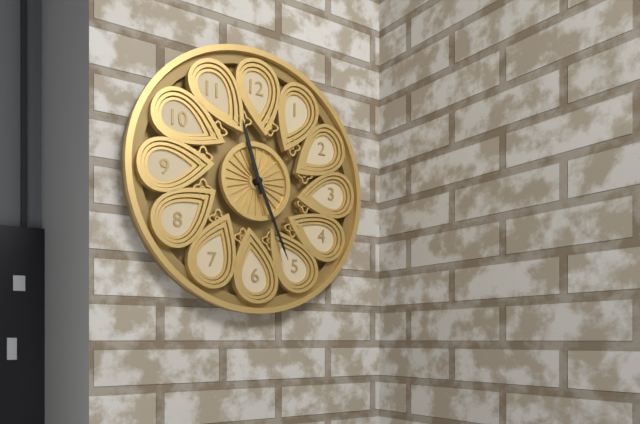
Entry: h=11 m=26
